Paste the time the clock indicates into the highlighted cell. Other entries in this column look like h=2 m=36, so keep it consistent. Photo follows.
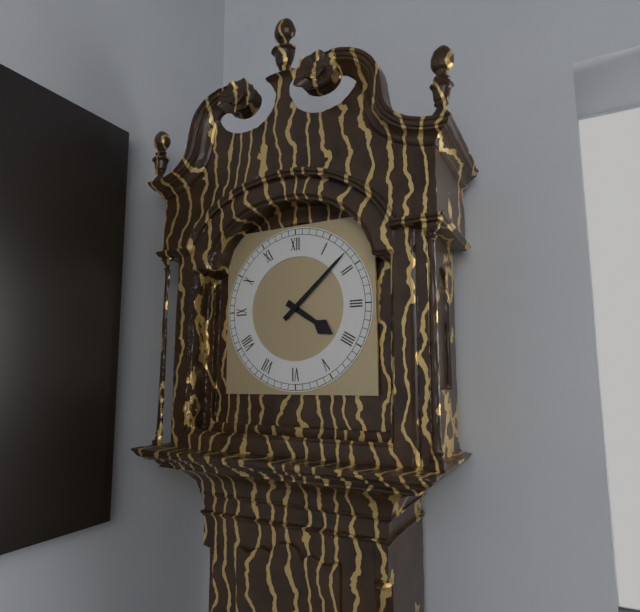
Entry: h=4 m=8
